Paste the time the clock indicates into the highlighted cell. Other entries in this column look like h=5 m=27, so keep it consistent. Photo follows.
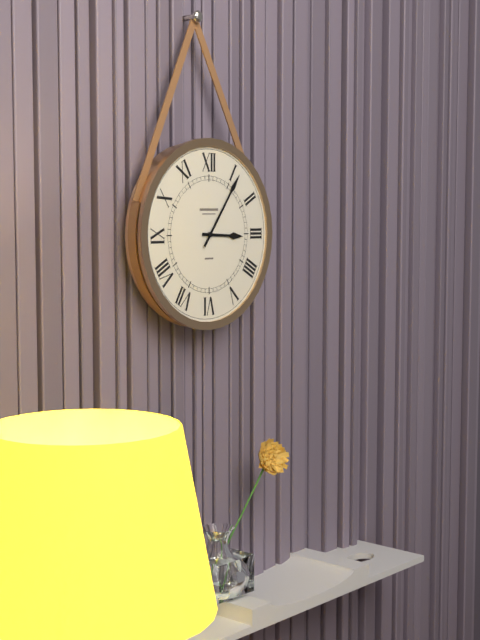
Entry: h=3 m=6
